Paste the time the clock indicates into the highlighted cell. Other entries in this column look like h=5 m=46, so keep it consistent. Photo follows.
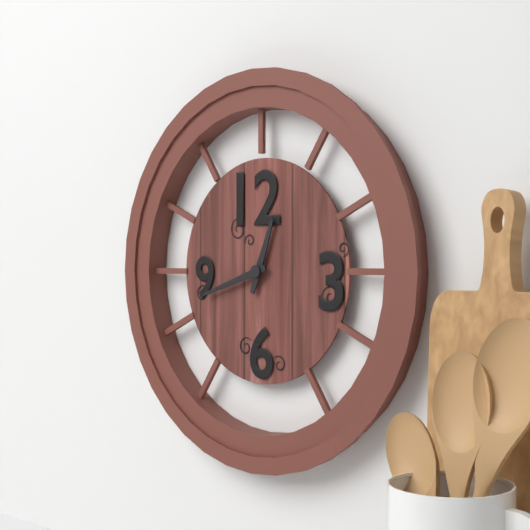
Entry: h=12 m=42
